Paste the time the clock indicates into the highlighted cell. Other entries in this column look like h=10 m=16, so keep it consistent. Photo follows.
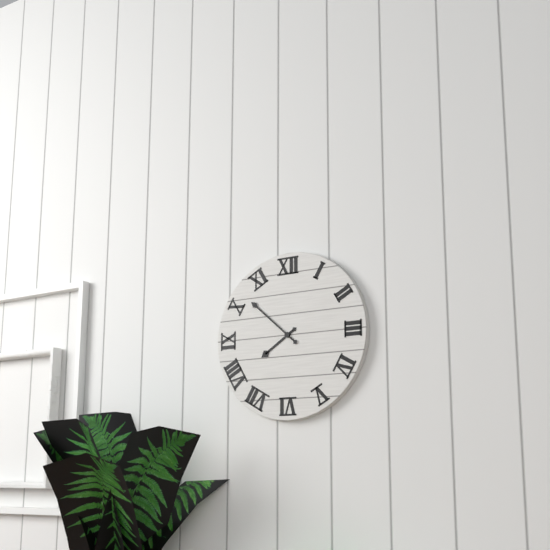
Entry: h=7 m=52
